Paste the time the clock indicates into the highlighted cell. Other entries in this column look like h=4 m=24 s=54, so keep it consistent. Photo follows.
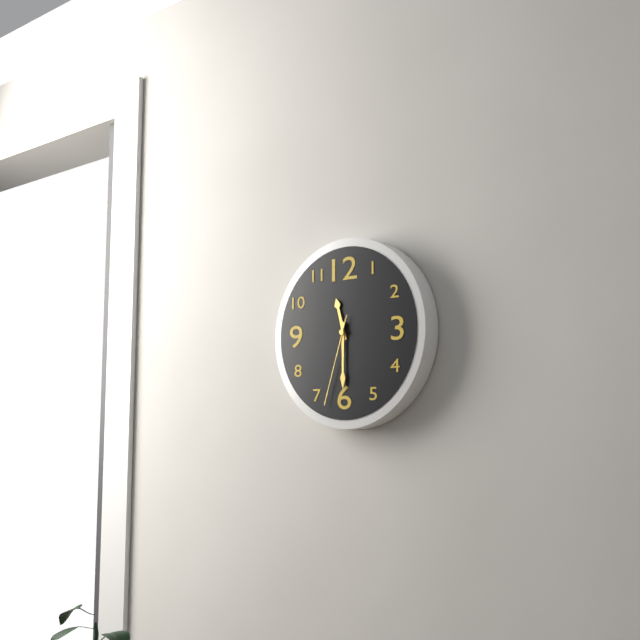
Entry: h=11 m=30 s=33
